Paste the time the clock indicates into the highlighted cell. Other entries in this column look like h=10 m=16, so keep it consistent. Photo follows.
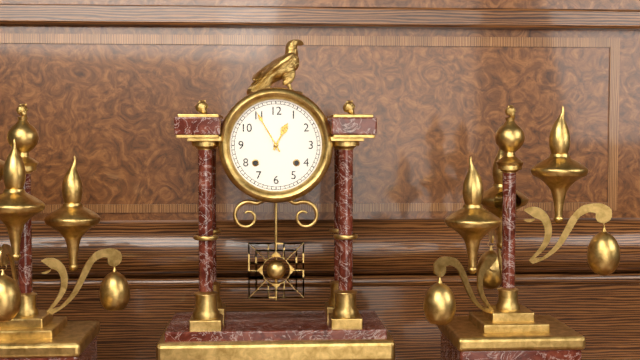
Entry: h=12 m=55
